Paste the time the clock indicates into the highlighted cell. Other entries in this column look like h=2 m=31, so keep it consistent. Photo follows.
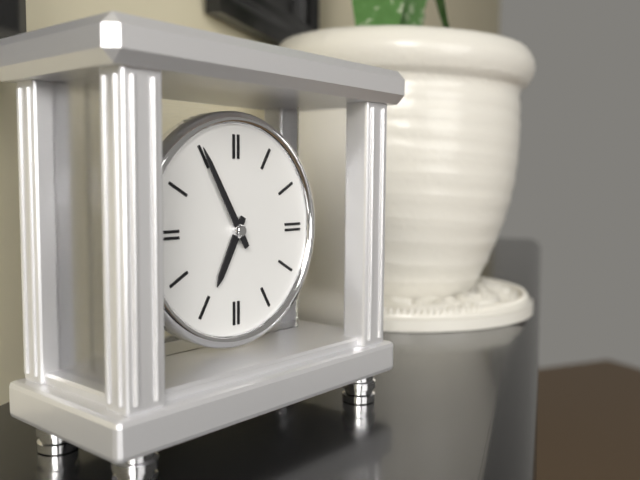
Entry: h=6 m=55
